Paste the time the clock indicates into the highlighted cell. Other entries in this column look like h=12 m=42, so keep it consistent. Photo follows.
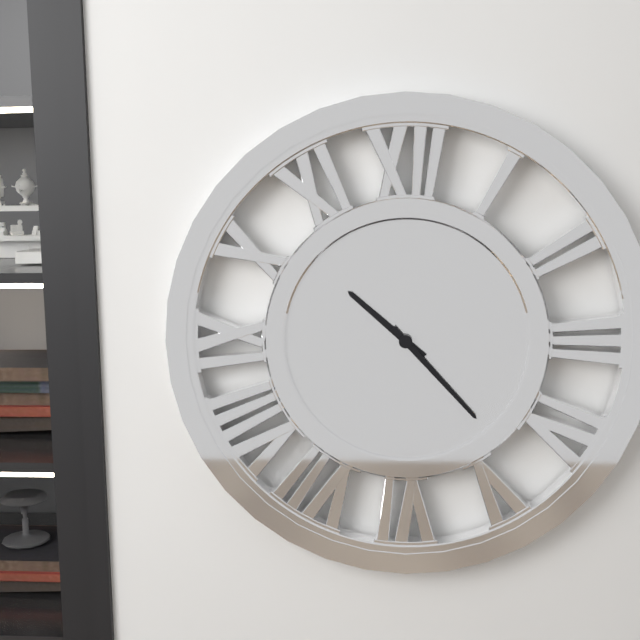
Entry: h=10 m=23
